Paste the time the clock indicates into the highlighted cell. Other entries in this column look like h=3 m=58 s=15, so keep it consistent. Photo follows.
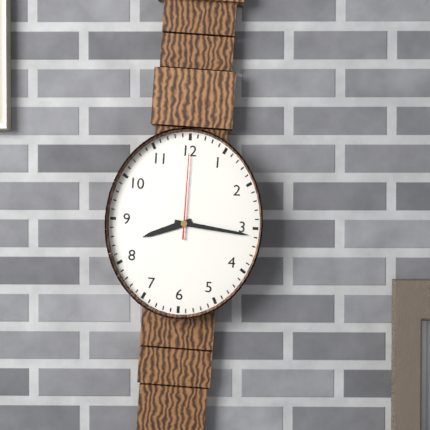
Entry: h=8 m=16 s=0
